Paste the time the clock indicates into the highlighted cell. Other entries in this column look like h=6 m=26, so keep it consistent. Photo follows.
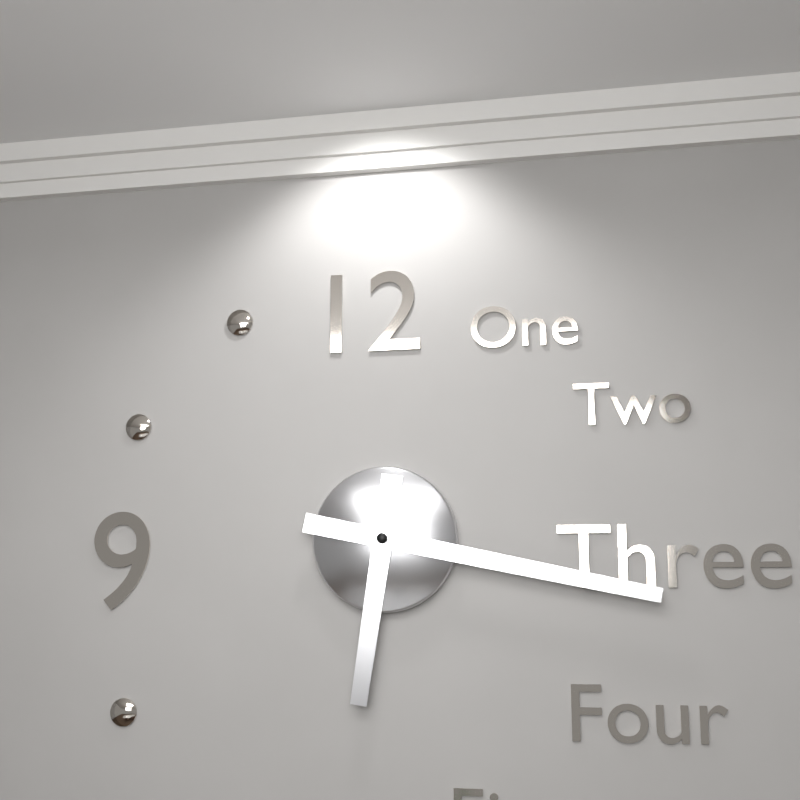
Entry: h=6 m=17
